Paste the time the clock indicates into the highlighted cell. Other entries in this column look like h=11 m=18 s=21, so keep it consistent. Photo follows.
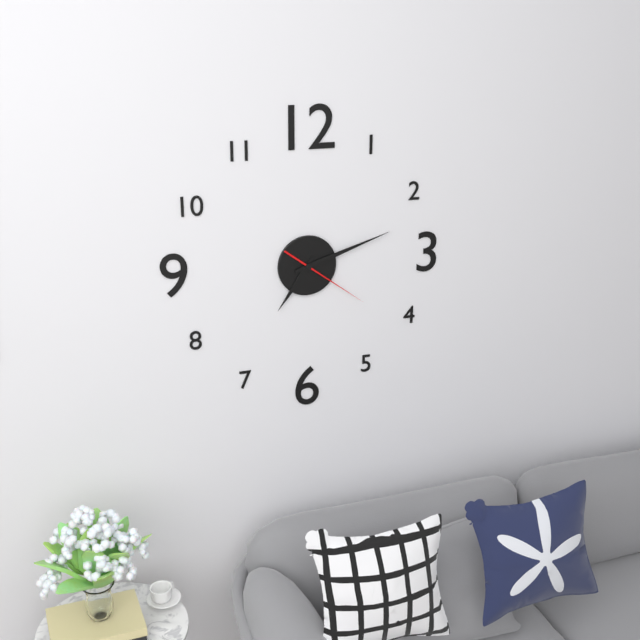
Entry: h=7 m=12 s=21
